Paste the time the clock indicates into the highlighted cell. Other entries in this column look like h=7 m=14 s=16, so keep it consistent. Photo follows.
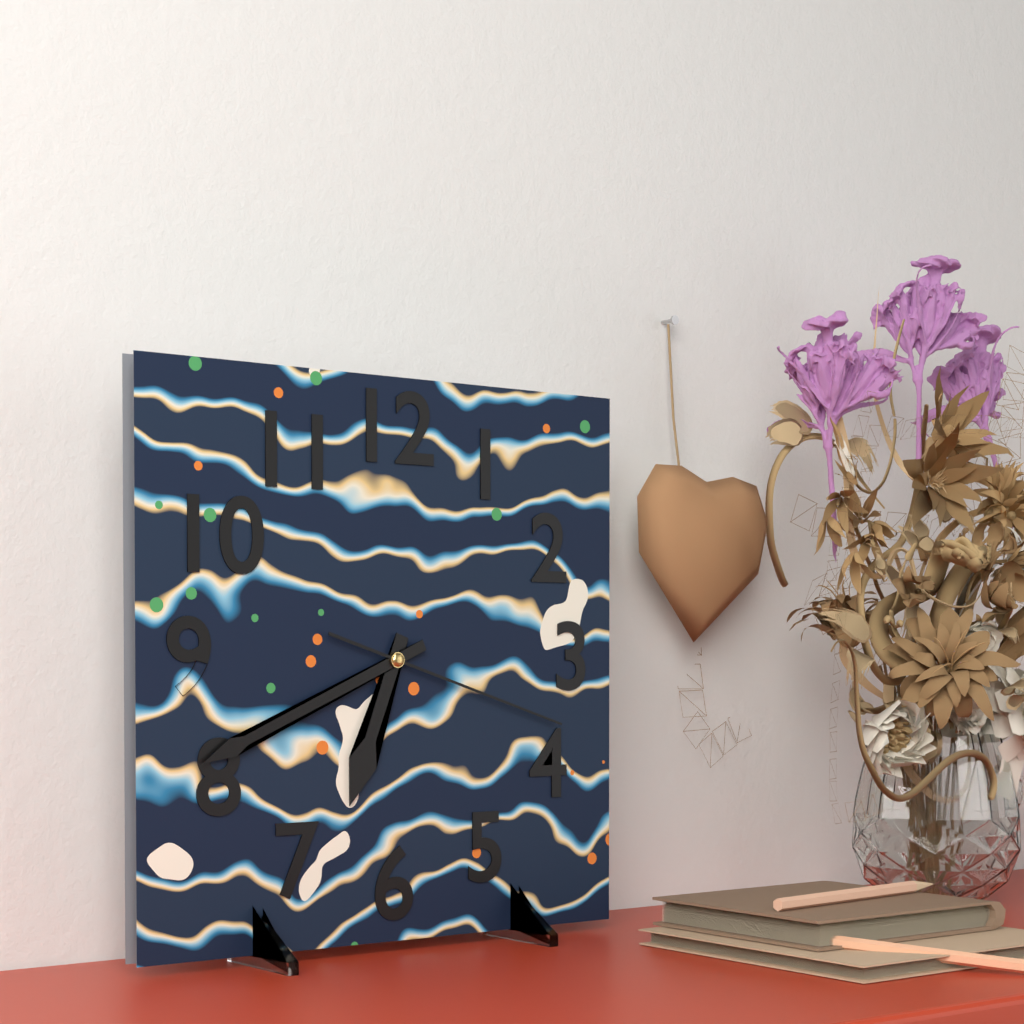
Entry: h=6 m=41 s=18
